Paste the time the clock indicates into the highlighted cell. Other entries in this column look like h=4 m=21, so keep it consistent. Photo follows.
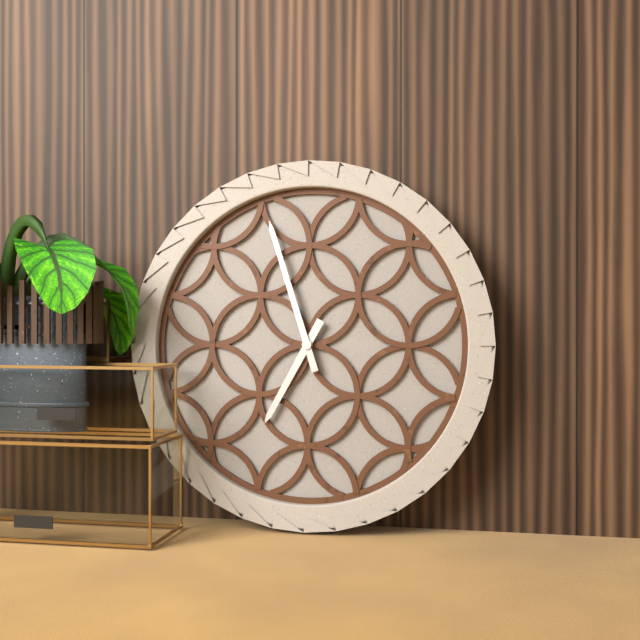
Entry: h=6 m=57
